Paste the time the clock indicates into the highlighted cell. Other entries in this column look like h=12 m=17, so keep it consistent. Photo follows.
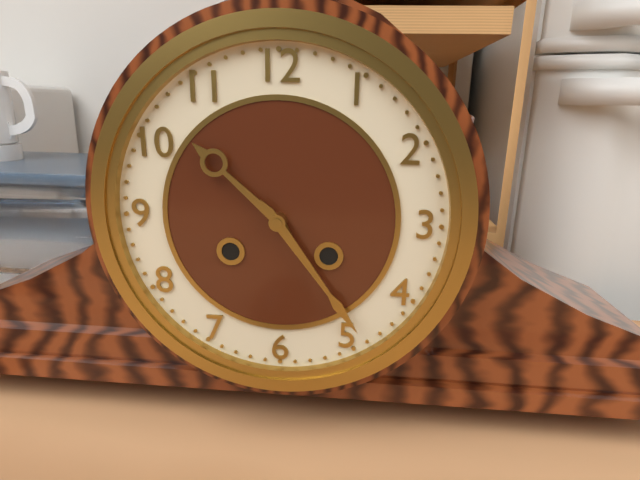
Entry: h=10 m=24
